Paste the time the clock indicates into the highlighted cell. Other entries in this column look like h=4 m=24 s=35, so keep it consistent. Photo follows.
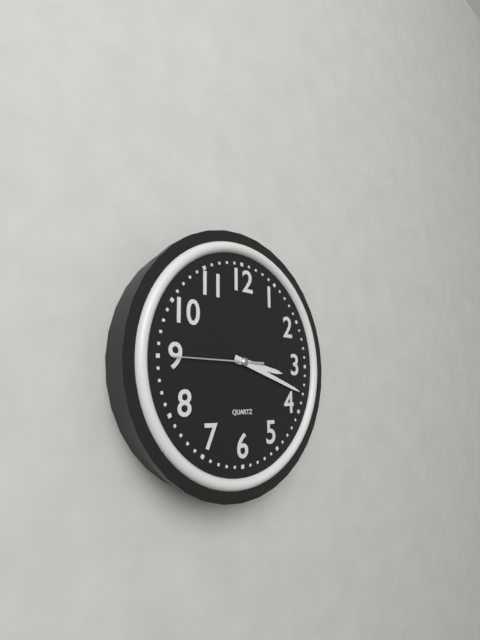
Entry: h=3 m=18 s=45
